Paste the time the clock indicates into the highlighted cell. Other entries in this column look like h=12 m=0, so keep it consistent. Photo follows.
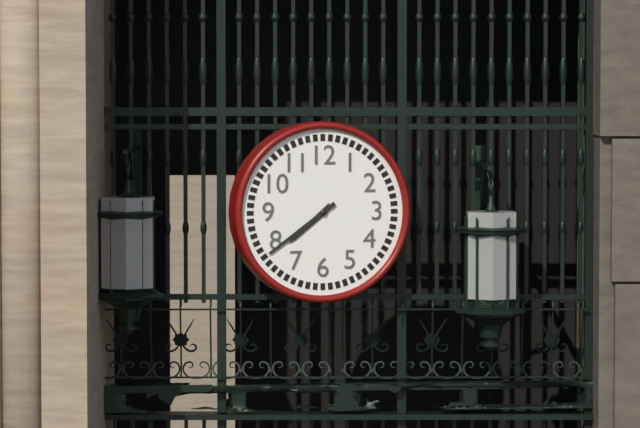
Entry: h=7 m=39
